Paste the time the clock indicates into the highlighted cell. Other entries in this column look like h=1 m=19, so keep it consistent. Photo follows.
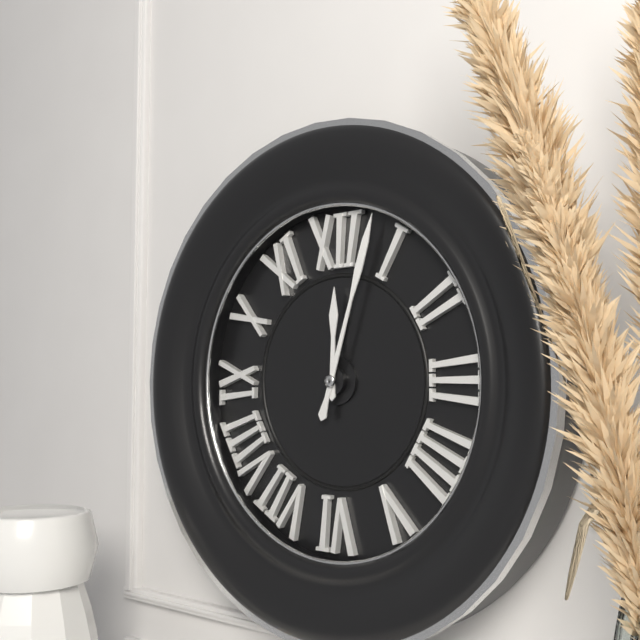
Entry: h=12 m=3
